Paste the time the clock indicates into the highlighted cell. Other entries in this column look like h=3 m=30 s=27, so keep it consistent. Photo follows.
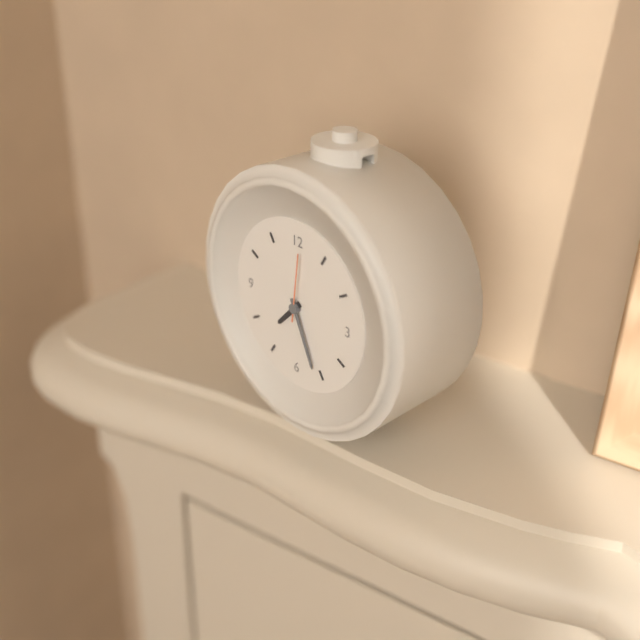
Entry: h=7 m=26 s=1
